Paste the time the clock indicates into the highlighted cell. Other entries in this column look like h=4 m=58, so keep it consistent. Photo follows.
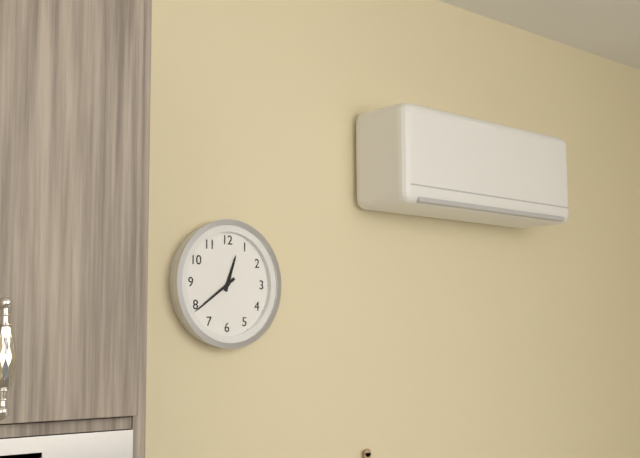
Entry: h=12 m=39
